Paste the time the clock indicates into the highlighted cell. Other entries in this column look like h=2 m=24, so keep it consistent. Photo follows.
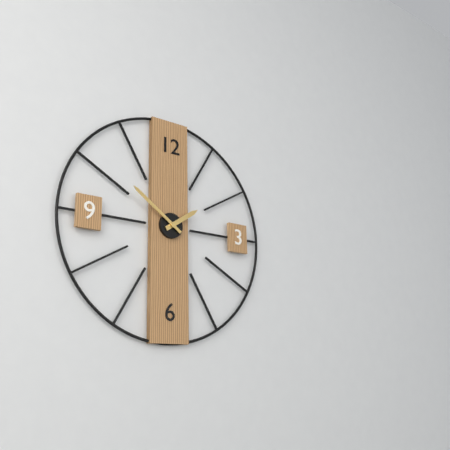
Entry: h=1 m=51
